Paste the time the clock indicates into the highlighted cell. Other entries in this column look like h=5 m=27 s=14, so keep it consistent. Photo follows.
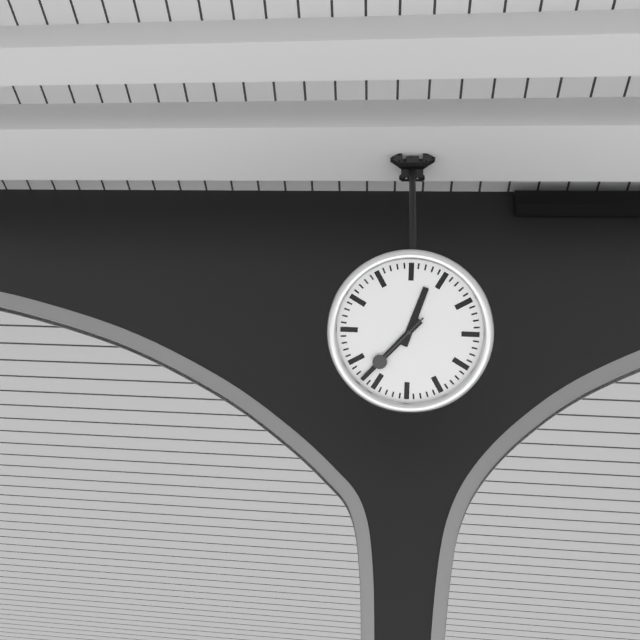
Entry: h=12 m=37 s=37
